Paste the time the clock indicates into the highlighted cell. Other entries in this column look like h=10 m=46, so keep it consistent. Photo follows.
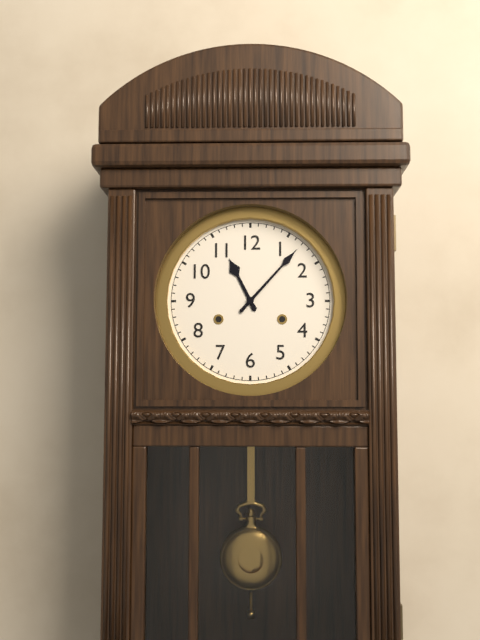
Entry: h=11 m=7
